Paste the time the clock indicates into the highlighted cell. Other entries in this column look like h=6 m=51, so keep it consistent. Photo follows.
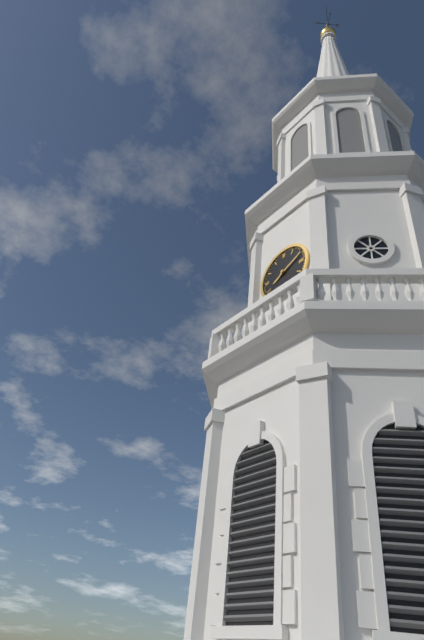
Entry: h=8 m=11
